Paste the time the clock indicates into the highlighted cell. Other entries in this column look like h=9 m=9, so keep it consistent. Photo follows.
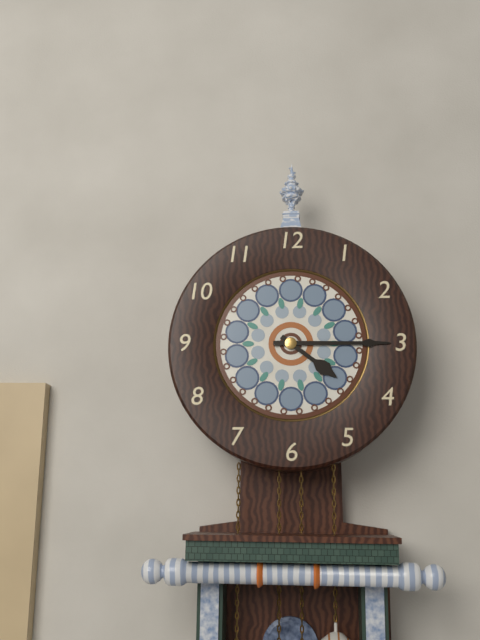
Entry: h=4 m=15
